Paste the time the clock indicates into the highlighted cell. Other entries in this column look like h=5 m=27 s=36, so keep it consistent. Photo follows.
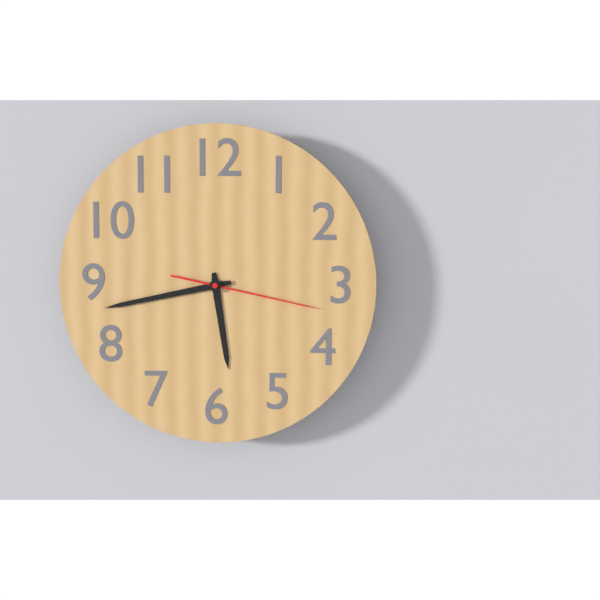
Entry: h=5 m=43 s=17
